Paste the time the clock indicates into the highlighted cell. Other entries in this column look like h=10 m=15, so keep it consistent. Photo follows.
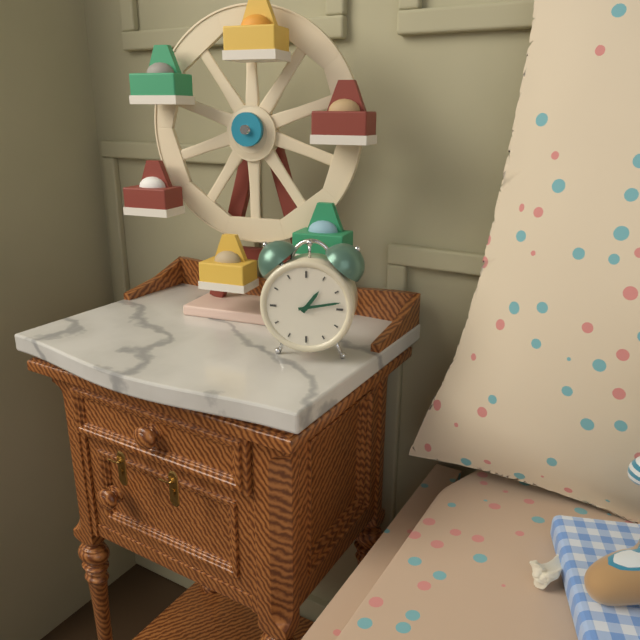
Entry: h=1 m=13
